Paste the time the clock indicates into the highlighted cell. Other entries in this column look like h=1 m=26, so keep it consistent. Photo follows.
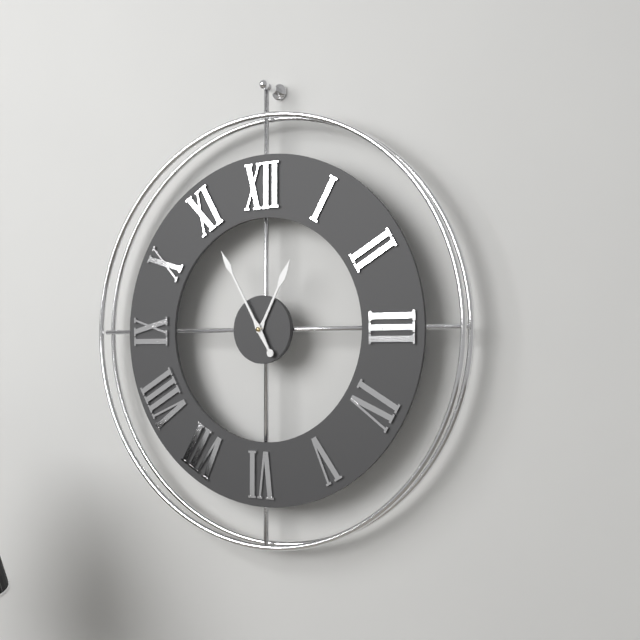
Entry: h=12 m=55
